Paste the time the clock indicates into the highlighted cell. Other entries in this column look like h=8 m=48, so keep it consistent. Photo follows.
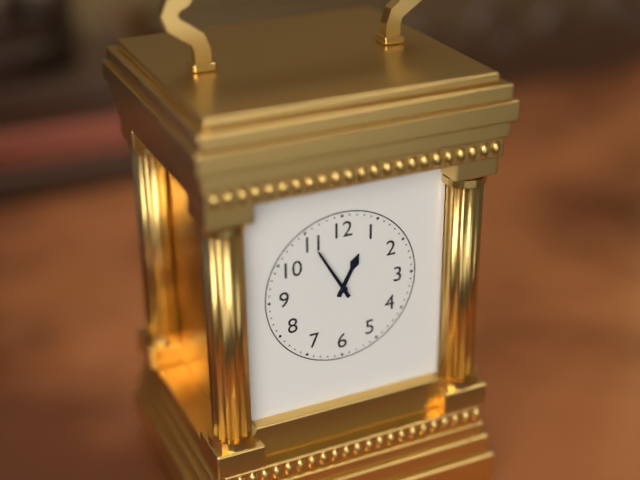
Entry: h=12 m=55
